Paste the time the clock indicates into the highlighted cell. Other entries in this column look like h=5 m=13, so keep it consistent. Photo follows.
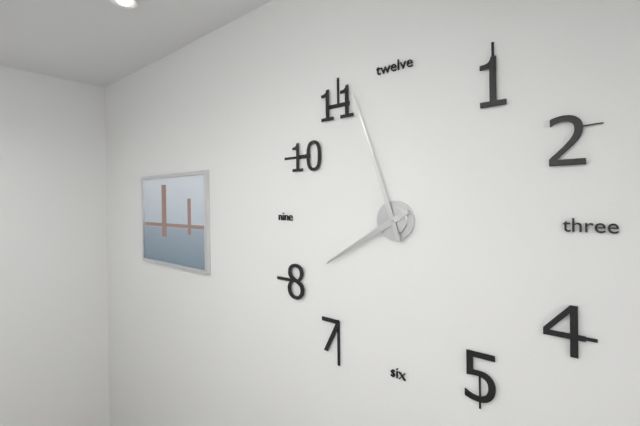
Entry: h=7 m=57
